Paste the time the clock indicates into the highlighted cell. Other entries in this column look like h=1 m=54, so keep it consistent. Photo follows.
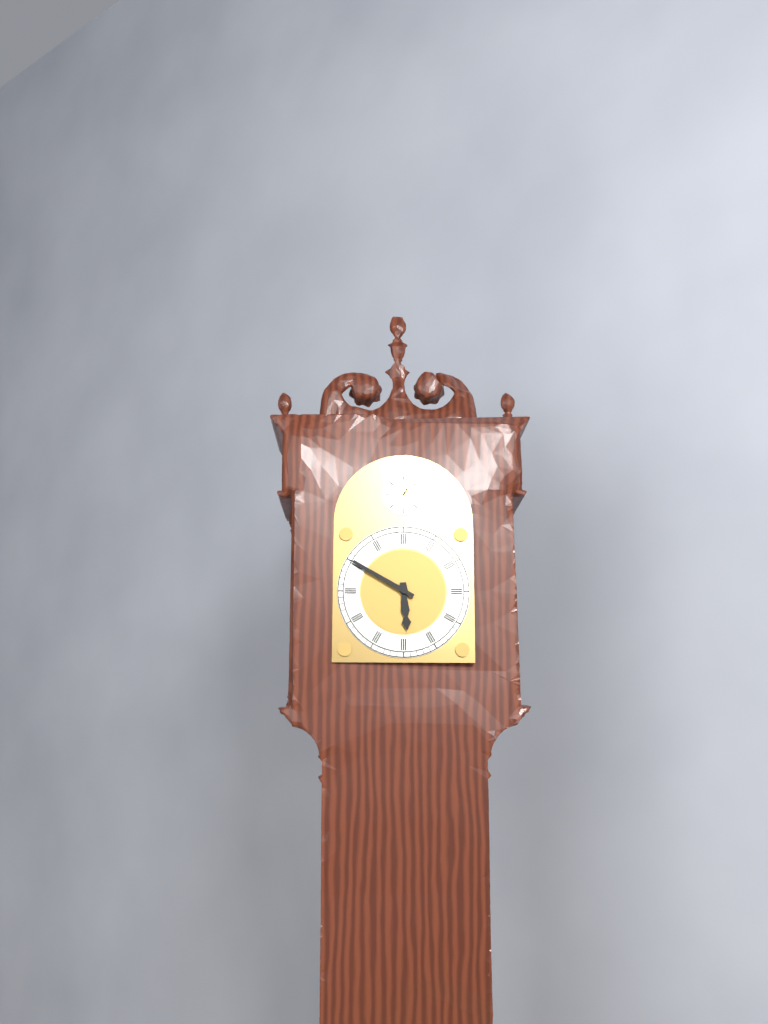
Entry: h=5 m=50
